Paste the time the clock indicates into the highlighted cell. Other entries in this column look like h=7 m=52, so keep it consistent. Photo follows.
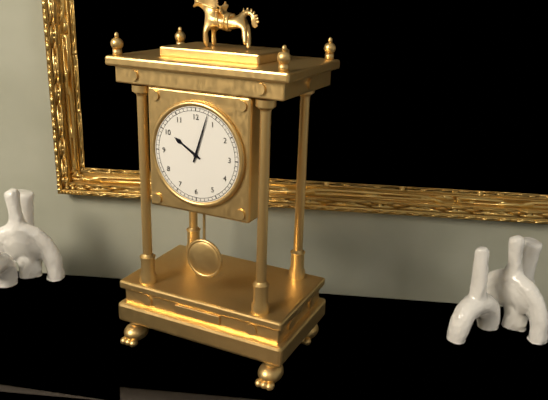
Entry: h=10 m=3
